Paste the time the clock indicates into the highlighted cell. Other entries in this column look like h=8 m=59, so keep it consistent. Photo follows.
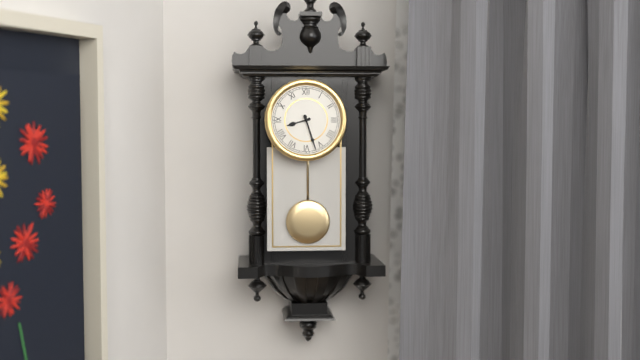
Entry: h=8 m=27
